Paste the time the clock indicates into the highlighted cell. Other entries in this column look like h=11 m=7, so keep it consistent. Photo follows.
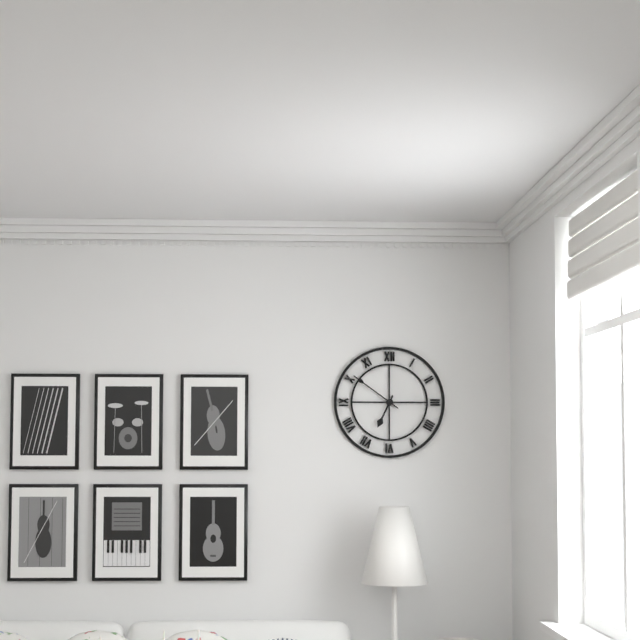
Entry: h=6 m=51
